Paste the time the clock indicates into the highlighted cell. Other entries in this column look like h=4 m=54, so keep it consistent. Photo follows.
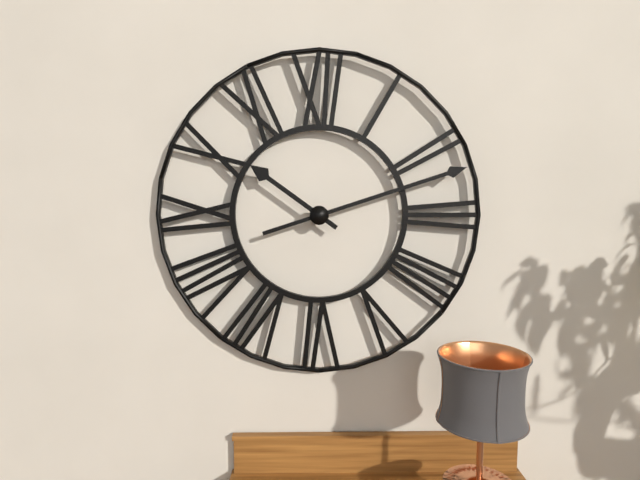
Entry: h=10 m=12
